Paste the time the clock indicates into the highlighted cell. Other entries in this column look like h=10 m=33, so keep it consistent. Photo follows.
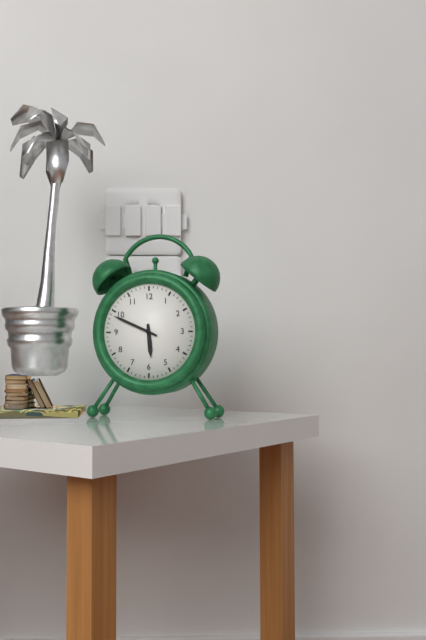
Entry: h=5 m=49
